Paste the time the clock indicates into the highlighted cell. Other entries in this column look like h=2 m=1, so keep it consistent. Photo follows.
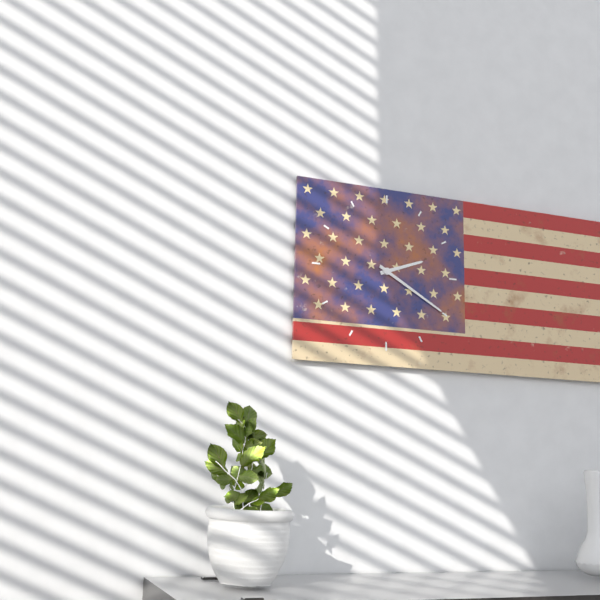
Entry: h=2 m=20
